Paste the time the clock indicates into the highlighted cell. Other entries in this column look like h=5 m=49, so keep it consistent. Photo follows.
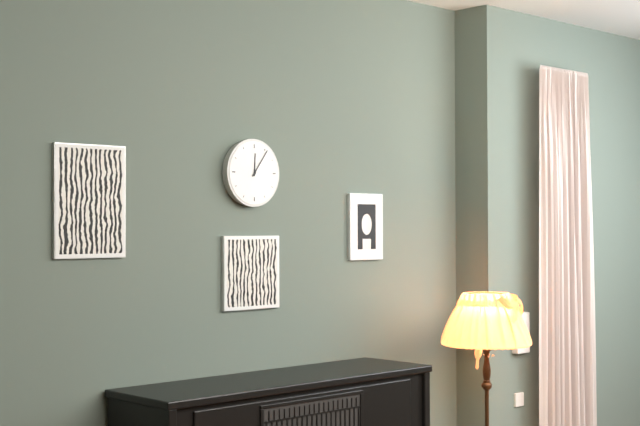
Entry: h=12 m=6
